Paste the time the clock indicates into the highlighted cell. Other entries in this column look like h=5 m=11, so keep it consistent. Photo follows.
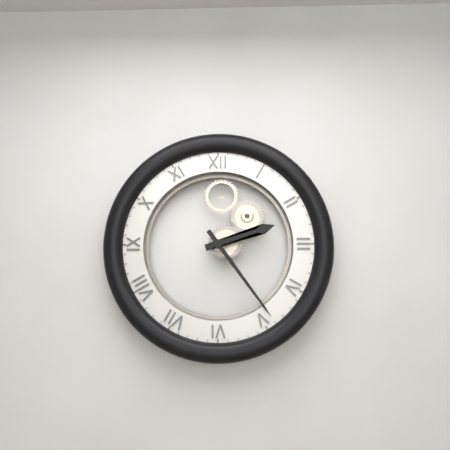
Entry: h=2 m=24
